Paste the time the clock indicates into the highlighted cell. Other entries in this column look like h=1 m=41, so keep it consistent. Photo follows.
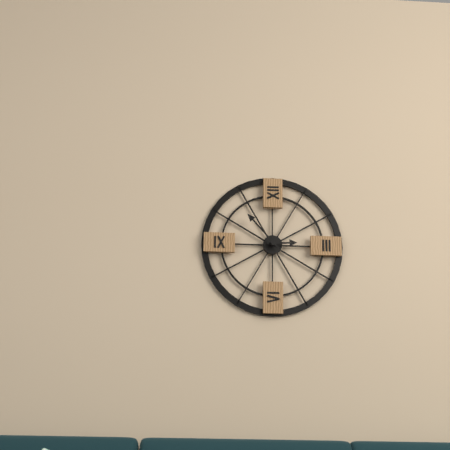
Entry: h=2 m=53
